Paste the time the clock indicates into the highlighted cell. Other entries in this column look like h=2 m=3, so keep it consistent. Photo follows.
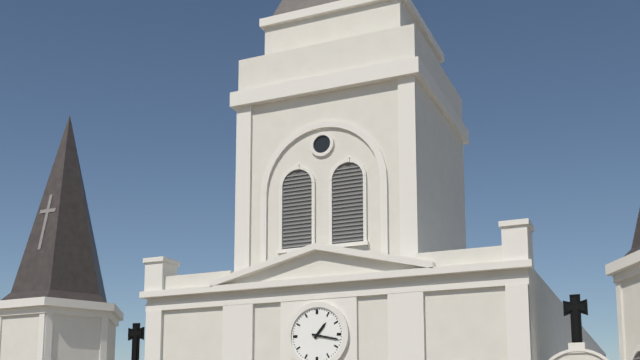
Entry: h=1 m=17
